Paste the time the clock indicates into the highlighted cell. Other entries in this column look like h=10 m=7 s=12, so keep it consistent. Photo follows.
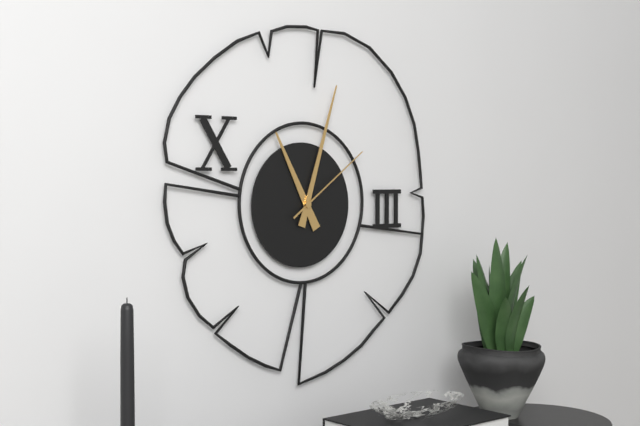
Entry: h=11 m=3 s=9
